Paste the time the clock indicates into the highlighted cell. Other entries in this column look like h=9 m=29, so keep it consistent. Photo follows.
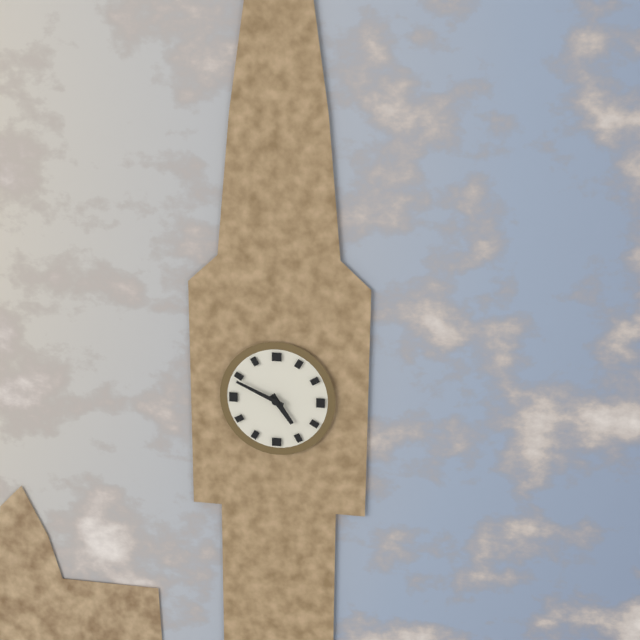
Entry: h=4 m=49
